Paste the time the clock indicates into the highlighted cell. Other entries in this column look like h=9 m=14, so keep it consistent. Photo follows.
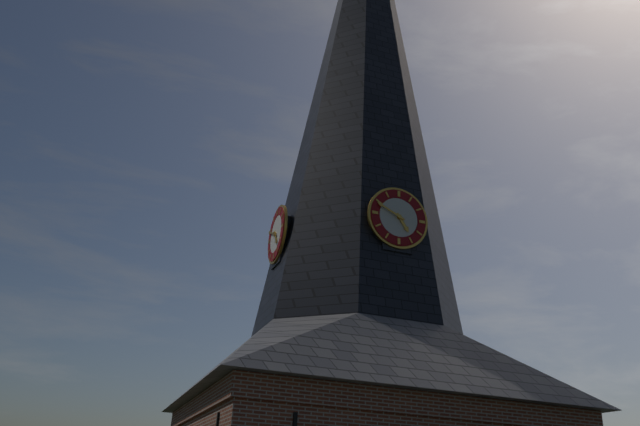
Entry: h=4 m=49
